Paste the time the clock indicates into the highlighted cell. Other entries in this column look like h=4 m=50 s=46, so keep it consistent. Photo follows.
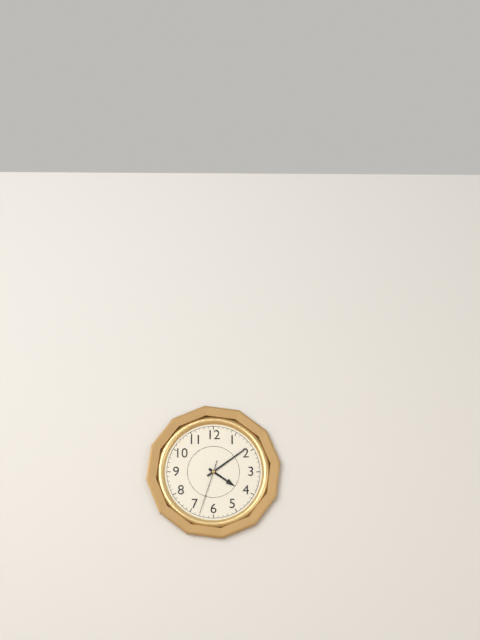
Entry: h=4 m=9 s=33
